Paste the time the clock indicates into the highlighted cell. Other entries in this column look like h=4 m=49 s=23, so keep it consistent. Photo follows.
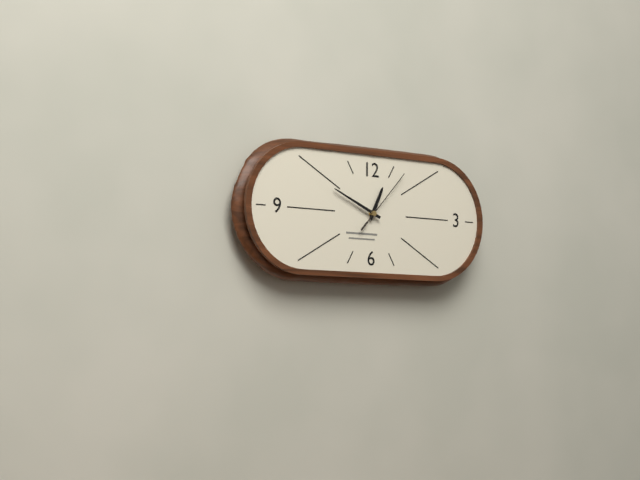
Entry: h=12 m=49 s=7
